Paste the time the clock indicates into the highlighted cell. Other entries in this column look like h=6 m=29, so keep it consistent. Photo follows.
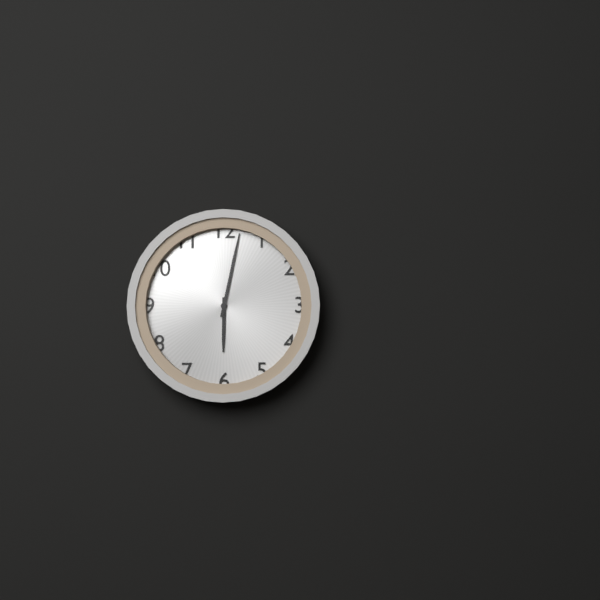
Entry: h=6 m=2
